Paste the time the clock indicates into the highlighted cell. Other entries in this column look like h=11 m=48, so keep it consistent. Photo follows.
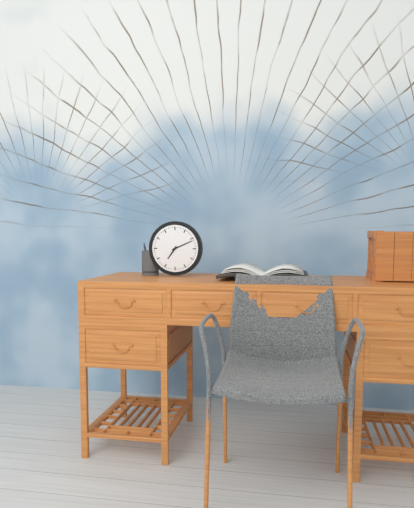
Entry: h=7 m=11
